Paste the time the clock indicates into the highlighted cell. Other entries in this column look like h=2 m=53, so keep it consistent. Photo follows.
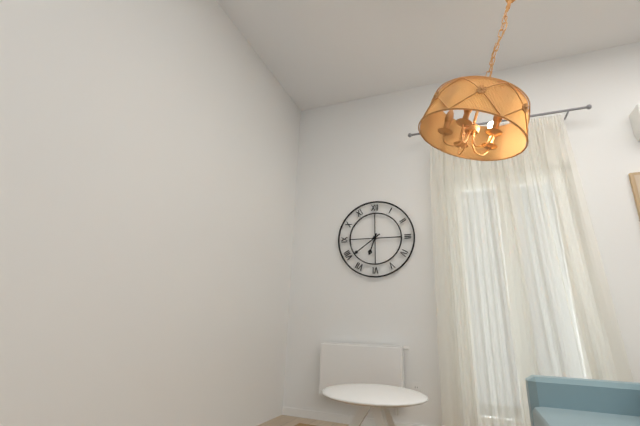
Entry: h=6 m=39
